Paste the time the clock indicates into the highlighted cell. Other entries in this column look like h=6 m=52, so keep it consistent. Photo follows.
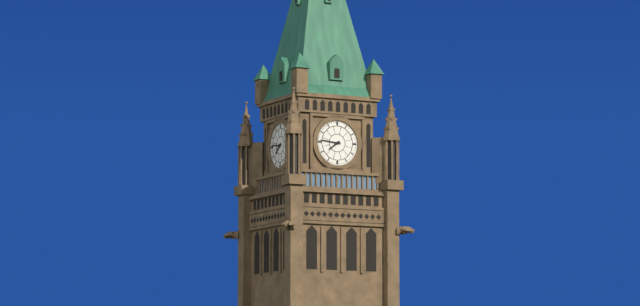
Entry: h=7 m=46
